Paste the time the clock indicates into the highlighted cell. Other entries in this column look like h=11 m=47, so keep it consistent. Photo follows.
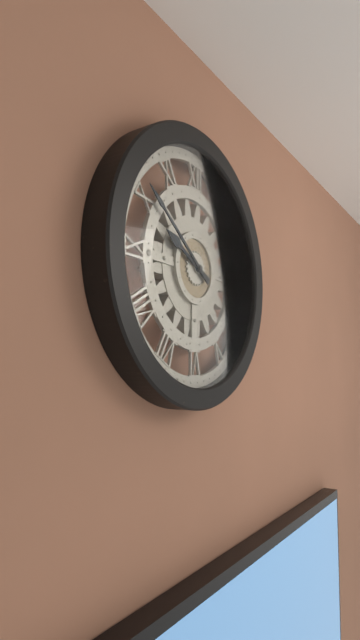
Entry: h=9 m=51
